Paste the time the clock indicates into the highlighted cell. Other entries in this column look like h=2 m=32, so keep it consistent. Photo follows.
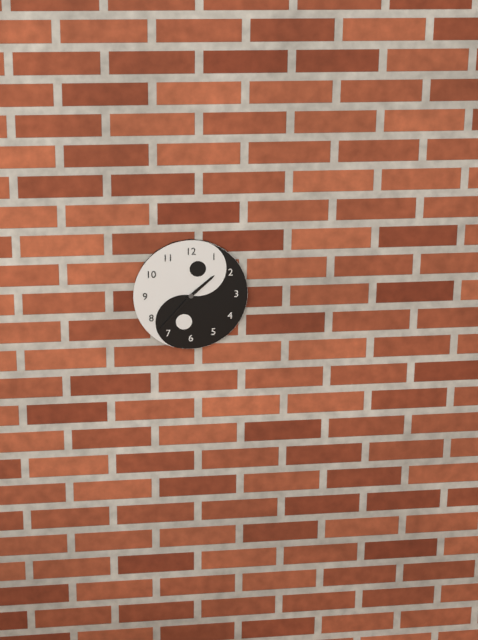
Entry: h=1 m=37
